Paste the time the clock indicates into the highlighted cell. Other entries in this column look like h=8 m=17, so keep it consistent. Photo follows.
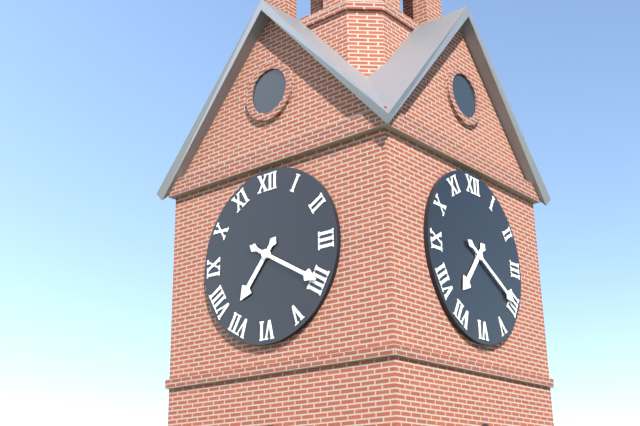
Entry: h=7 m=20
